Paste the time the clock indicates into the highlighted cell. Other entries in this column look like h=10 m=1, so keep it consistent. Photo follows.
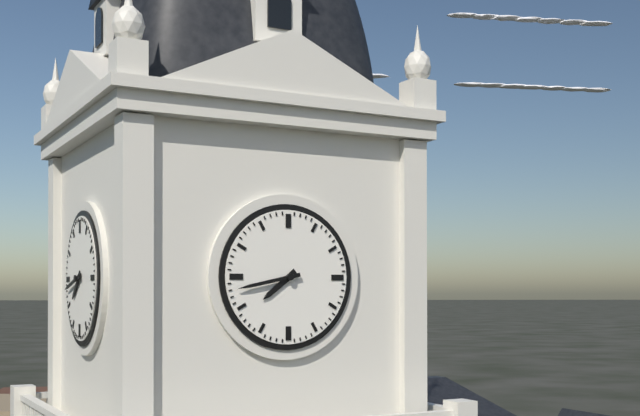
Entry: h=7 m=43
